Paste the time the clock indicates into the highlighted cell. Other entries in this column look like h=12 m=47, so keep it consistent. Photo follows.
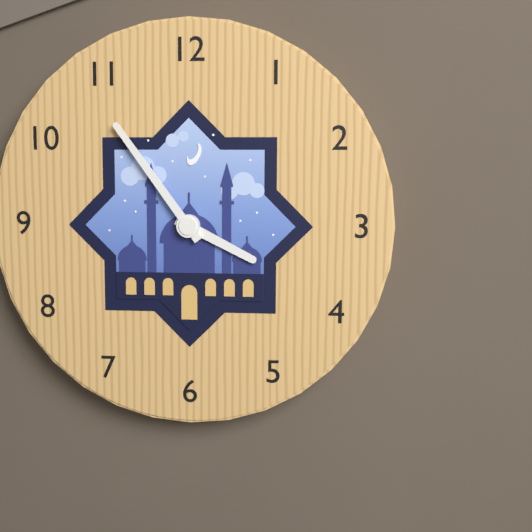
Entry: h=3 m=54
